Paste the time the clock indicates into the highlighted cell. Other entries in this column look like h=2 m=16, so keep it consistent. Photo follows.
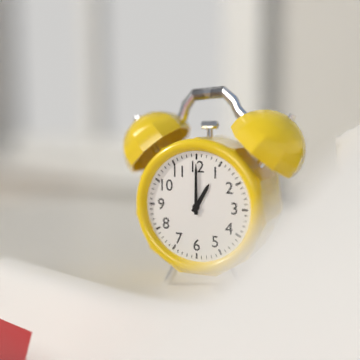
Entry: h=1 m=0
